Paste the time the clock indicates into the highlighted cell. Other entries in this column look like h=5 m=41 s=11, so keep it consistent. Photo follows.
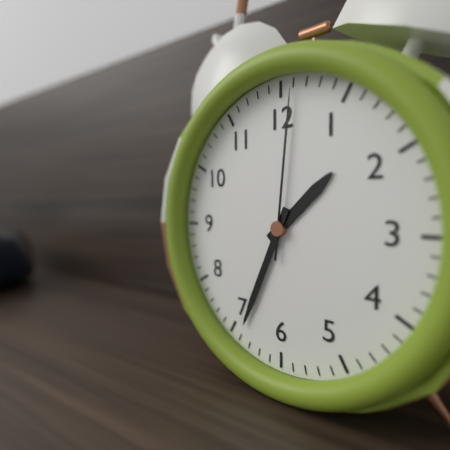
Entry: h=1 m=34 s=1
